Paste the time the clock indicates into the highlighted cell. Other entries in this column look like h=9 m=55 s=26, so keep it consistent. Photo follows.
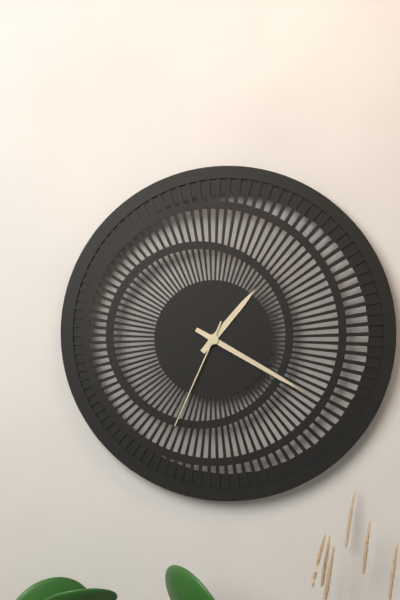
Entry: h=1 m=20 s=34
